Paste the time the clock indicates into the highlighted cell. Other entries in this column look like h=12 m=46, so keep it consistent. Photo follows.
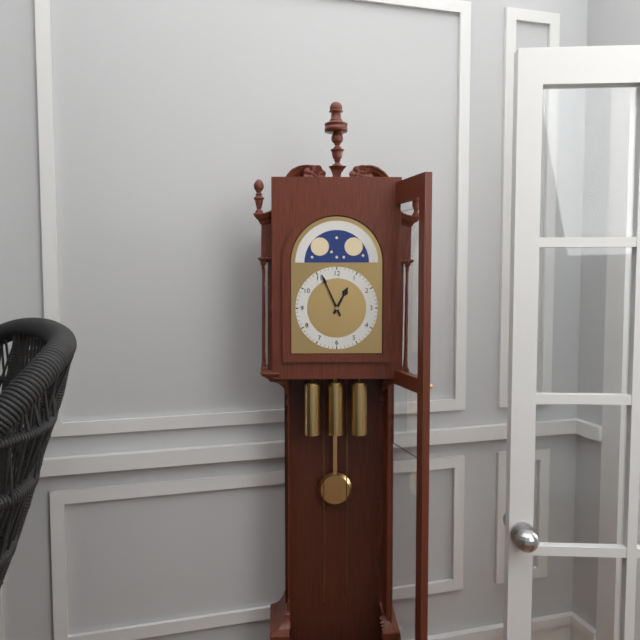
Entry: h=12 m=56
